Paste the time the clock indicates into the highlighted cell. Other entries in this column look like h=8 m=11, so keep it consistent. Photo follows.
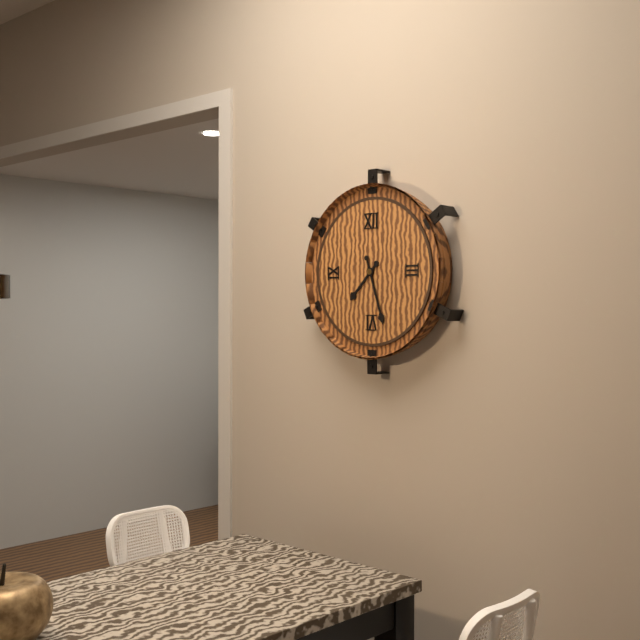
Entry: h=7 m=27
